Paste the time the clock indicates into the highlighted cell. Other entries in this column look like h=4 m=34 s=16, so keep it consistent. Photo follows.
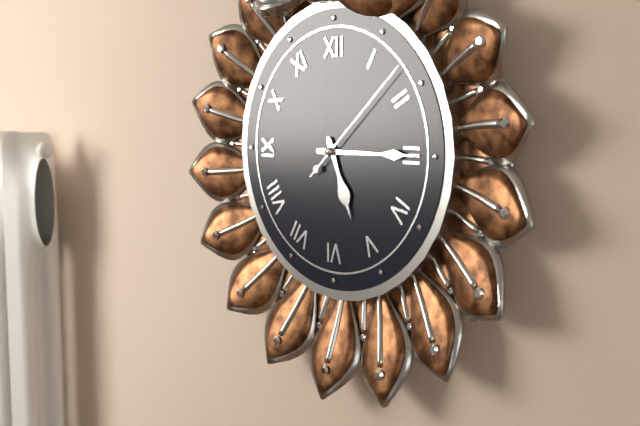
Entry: h=5 m=15 s=8
